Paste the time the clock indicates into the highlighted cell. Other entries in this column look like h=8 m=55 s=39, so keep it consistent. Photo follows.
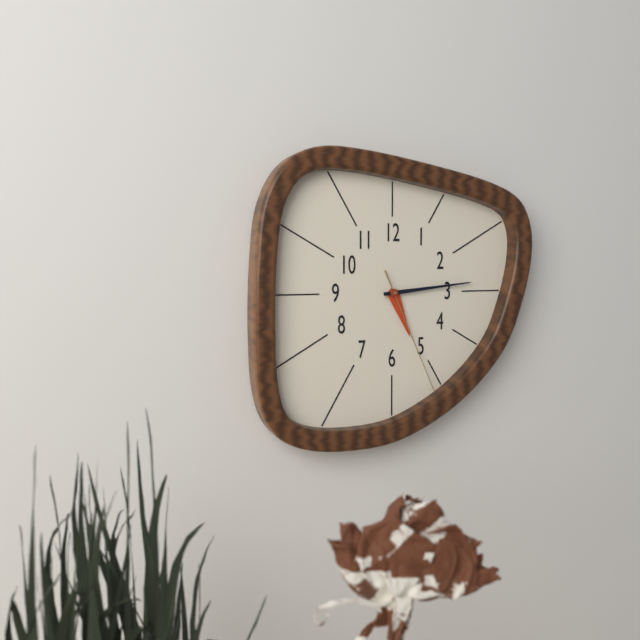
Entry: h=5 m=14 s=26
